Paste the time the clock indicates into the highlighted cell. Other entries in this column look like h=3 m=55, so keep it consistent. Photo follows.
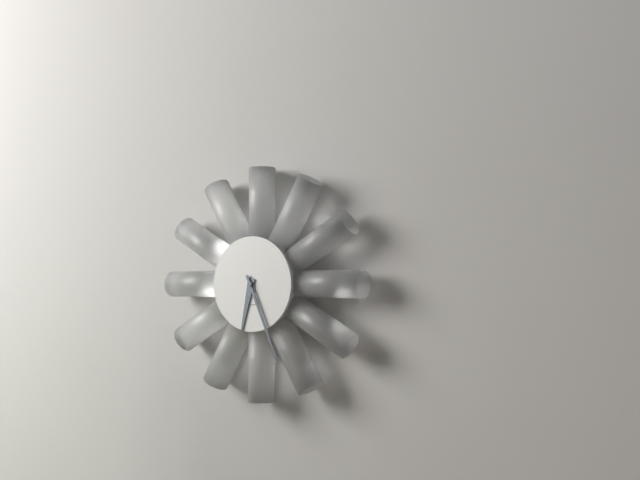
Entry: h=6 m=26
